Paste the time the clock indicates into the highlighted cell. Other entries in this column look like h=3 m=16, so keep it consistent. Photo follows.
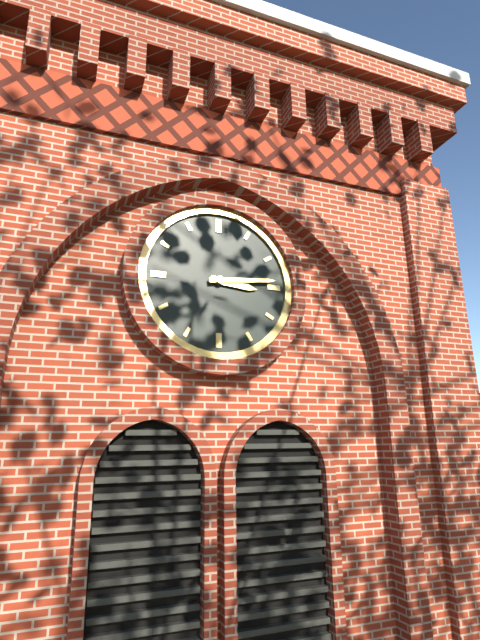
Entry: h=3 m=14
